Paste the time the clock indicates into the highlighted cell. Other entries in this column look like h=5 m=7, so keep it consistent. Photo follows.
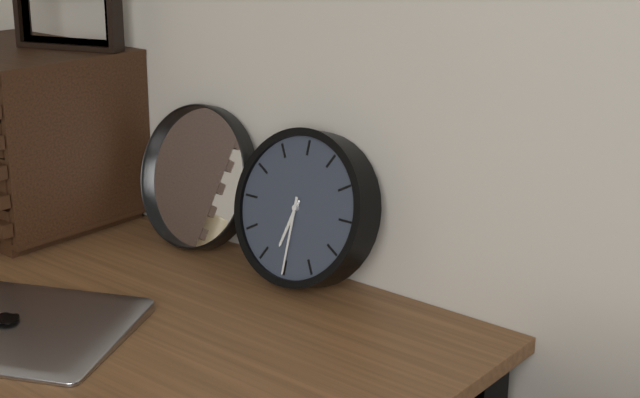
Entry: h=6 m=30
